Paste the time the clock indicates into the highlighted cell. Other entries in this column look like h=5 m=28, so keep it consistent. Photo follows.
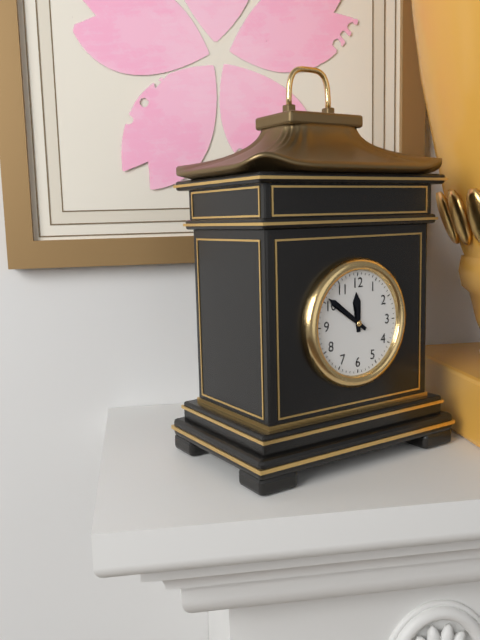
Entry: h=11 m=51
